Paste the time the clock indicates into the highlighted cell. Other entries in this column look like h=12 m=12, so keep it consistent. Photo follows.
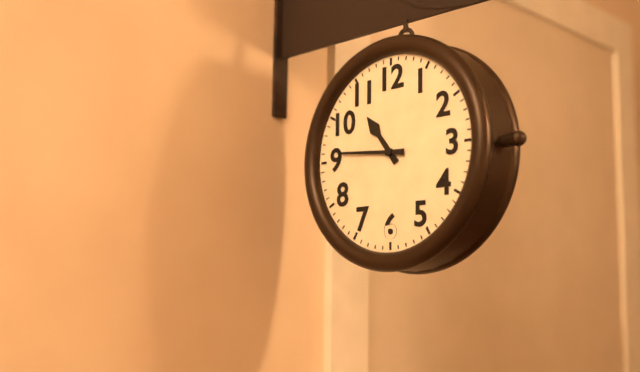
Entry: h=10 m=46
